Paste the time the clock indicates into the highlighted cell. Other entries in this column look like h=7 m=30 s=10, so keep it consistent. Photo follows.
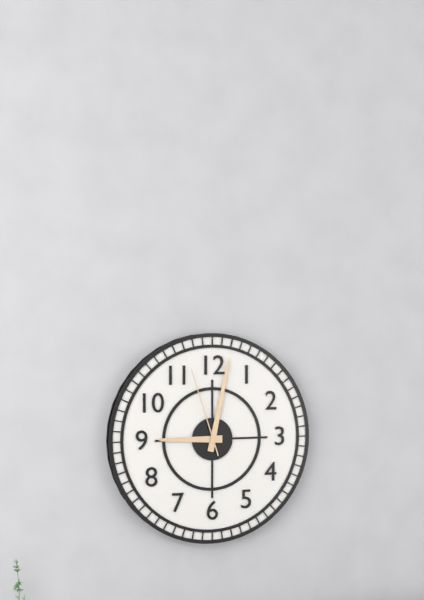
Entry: h=9 m=2 s=57
